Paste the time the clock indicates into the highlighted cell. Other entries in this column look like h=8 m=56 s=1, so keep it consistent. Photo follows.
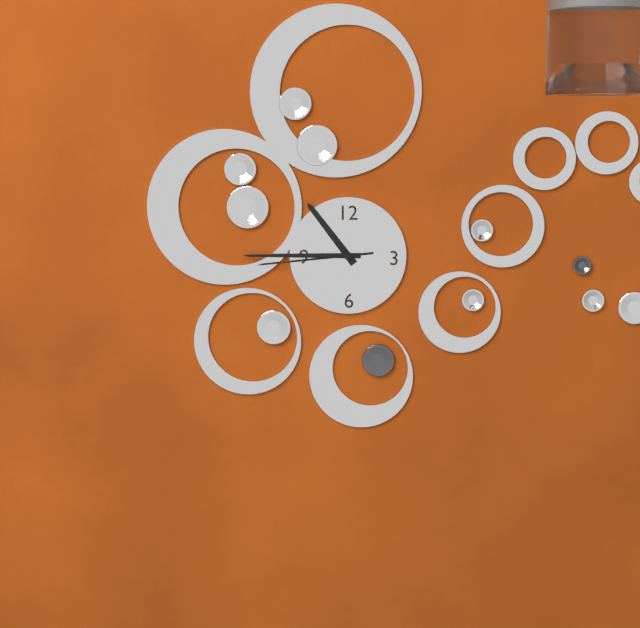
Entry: h=10 m=45 s=44
